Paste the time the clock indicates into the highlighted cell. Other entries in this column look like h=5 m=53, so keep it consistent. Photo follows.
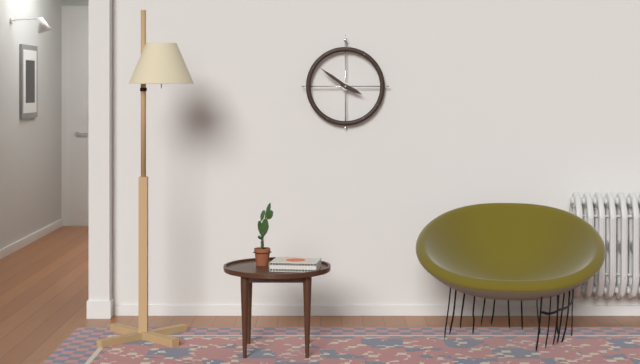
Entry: h=3 m=51
